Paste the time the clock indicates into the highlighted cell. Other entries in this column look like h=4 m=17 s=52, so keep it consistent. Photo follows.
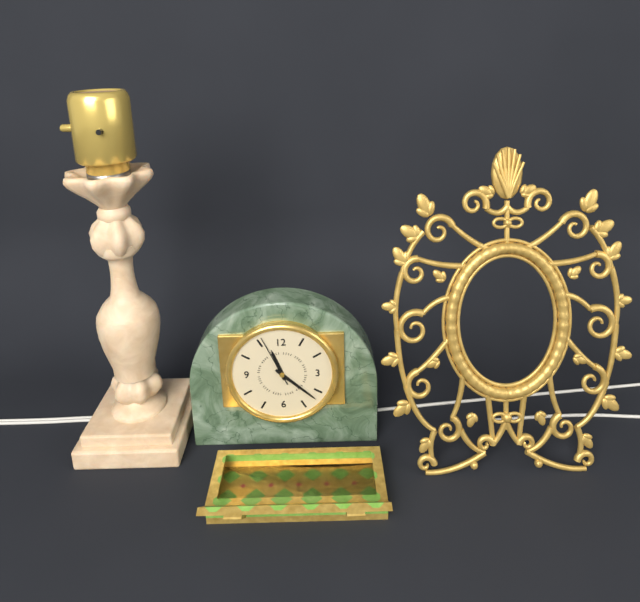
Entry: h=11 m=22 s=56
